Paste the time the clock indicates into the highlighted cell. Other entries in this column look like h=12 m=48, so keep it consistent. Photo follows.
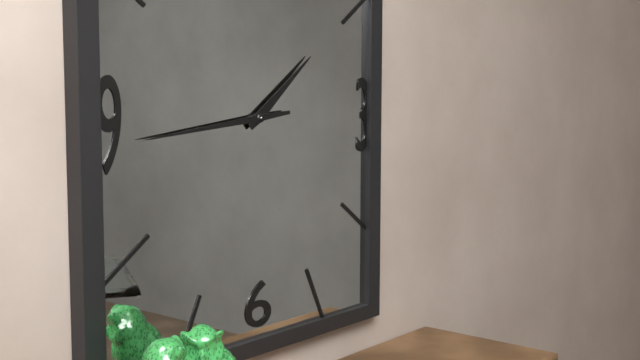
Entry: h=1 m=44
